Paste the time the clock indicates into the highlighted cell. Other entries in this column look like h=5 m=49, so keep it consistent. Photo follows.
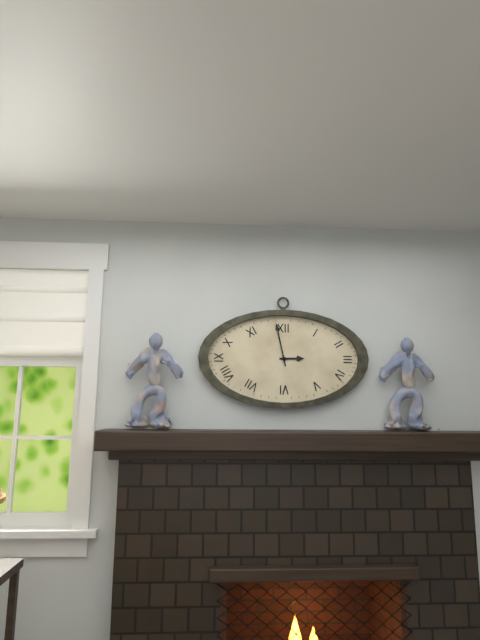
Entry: h=2 m=58
